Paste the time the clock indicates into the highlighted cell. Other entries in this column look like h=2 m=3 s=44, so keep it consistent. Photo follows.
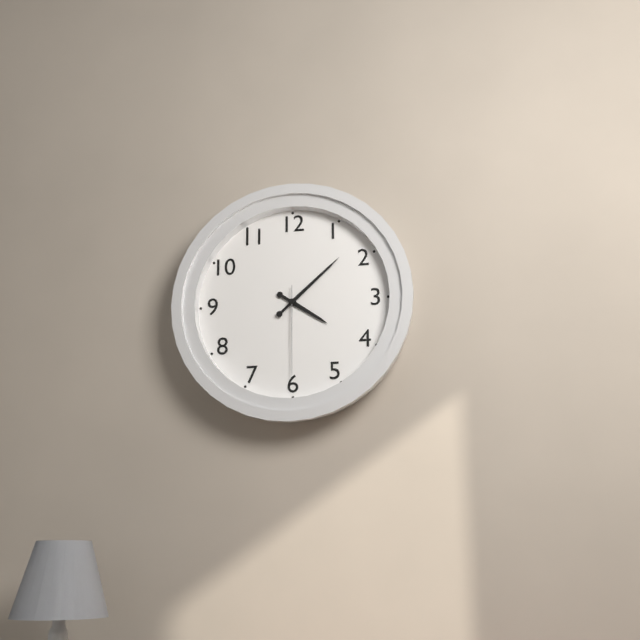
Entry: h=4 m=8 s=30
